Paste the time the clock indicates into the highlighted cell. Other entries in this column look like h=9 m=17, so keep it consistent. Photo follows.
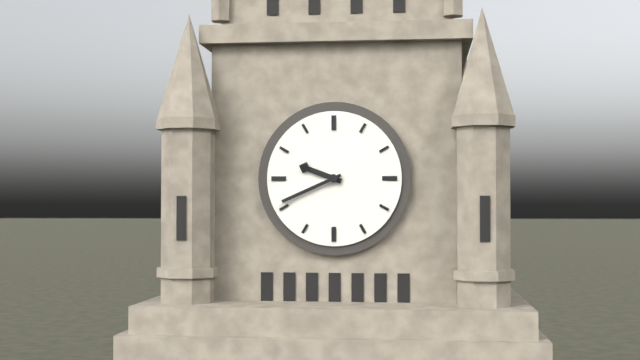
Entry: h=9 m=41
